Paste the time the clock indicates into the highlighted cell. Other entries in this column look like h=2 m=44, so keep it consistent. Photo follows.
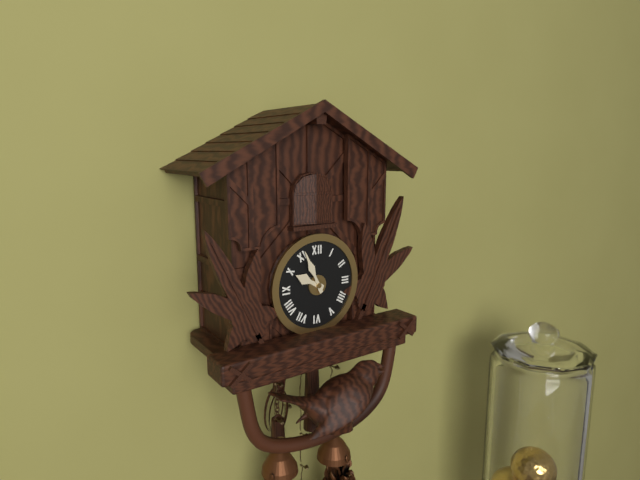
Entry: h=9 m=56
